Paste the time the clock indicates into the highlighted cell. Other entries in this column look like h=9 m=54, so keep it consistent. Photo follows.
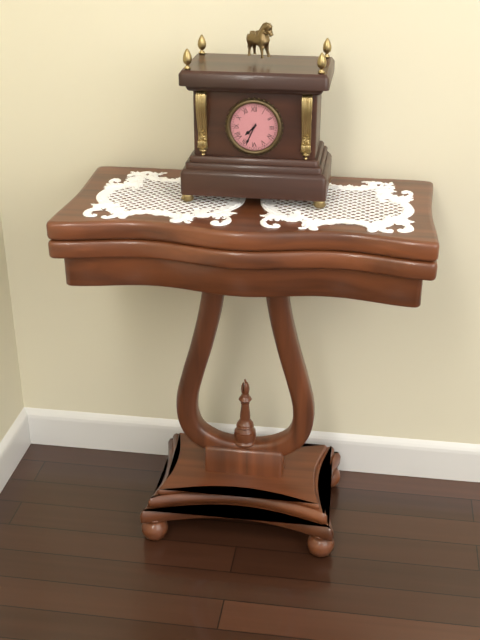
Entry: h=7 m=34
